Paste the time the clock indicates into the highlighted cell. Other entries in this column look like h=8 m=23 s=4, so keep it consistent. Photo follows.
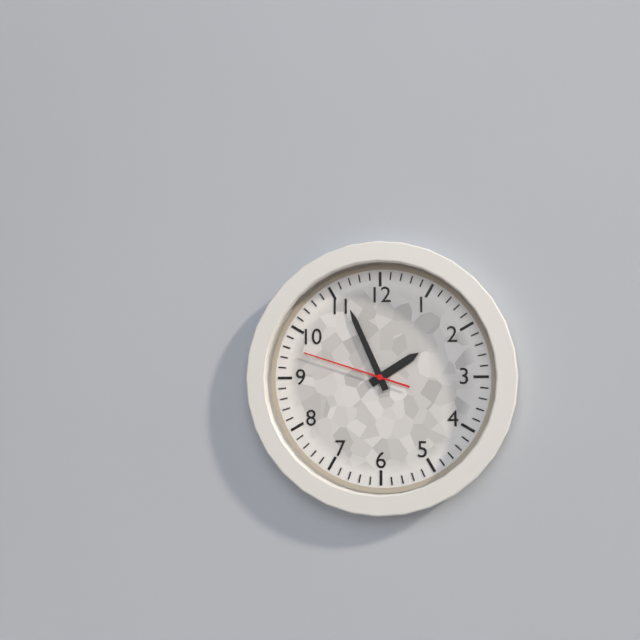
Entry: h=1 m=56 s=48
